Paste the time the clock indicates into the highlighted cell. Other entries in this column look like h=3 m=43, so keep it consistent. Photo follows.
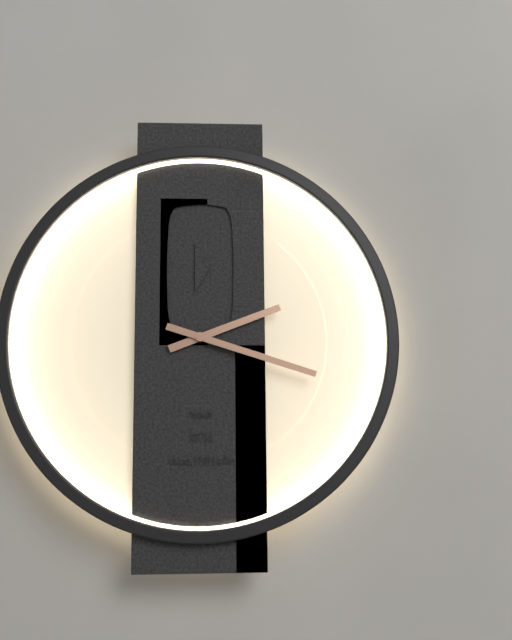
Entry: h=2 m=18
